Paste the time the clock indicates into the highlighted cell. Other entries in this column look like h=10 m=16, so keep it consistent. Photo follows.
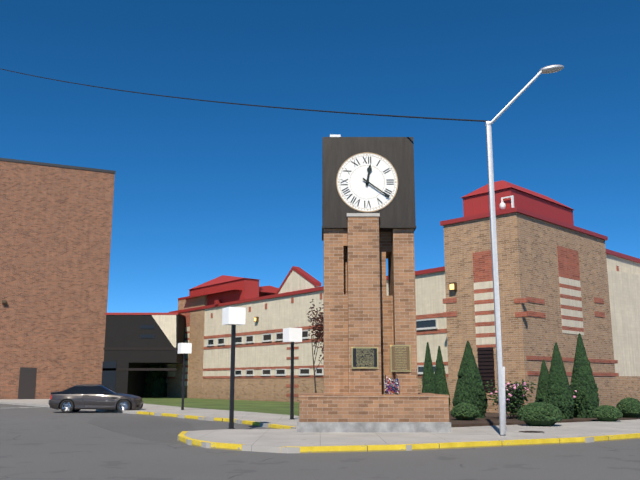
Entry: h=12 m=21
